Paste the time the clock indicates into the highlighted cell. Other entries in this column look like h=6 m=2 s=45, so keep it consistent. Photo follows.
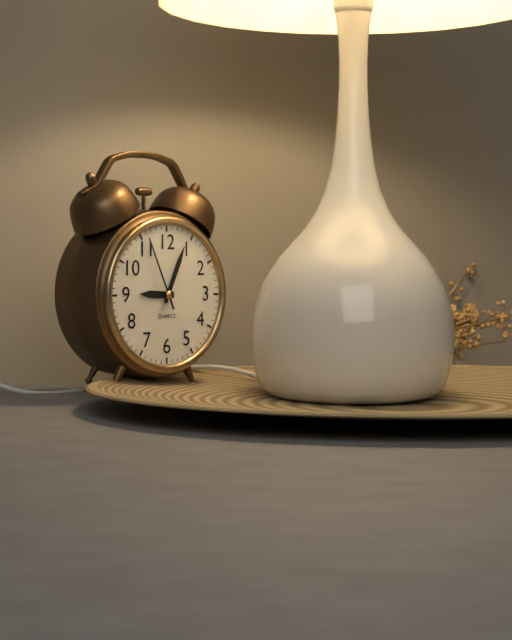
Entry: h=9 m=4 s=56
